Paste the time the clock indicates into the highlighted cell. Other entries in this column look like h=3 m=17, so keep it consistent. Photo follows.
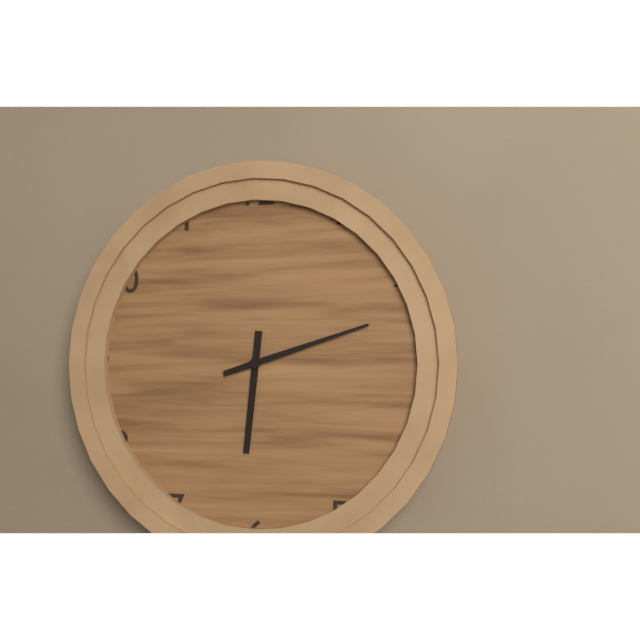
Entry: h=6 m=12
